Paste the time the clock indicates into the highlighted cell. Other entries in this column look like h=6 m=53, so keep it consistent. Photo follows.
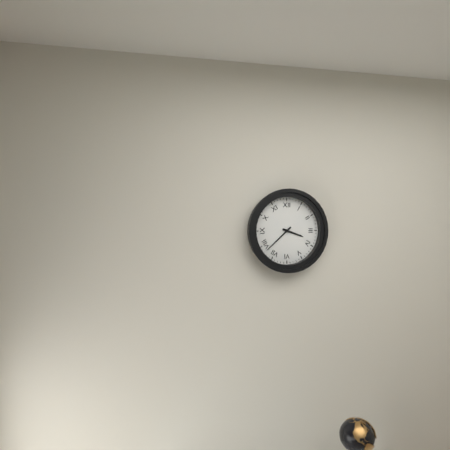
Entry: h=3 m=38
